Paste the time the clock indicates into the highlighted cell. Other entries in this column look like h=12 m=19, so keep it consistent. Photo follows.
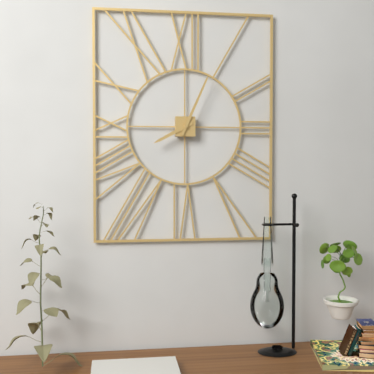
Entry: h=8 m=4
